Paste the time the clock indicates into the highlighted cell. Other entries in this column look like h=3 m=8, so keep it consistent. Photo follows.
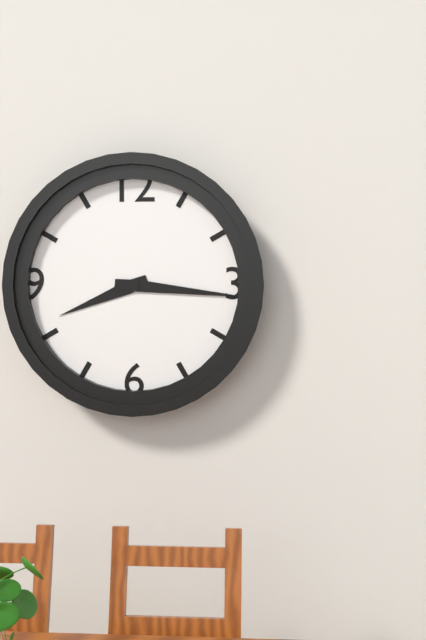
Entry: h=8 m=16
